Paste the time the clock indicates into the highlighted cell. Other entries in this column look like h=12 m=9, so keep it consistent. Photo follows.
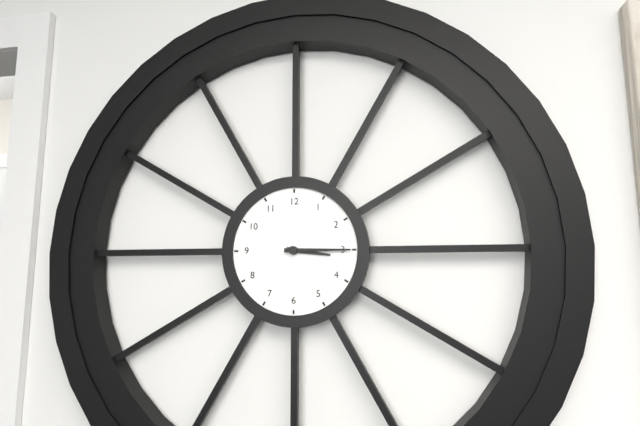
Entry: h=3 m=15
